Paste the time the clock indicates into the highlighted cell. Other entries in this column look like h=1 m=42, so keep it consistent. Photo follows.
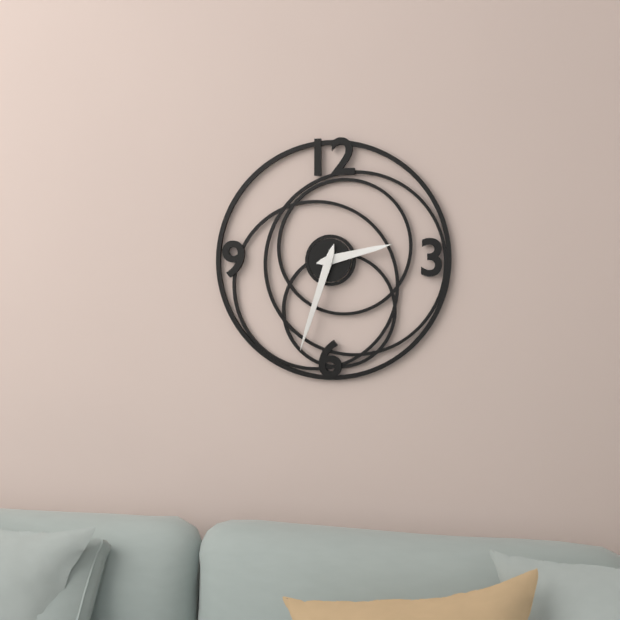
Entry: h=2 m=33
